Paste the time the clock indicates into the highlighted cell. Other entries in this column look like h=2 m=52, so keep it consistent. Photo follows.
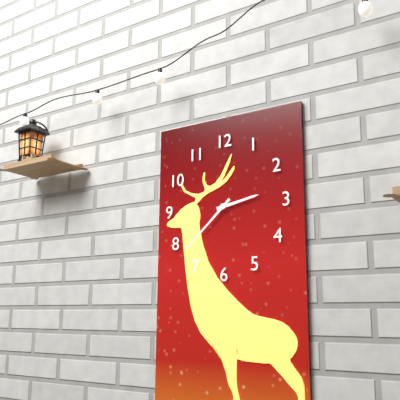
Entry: h=2 m=38
